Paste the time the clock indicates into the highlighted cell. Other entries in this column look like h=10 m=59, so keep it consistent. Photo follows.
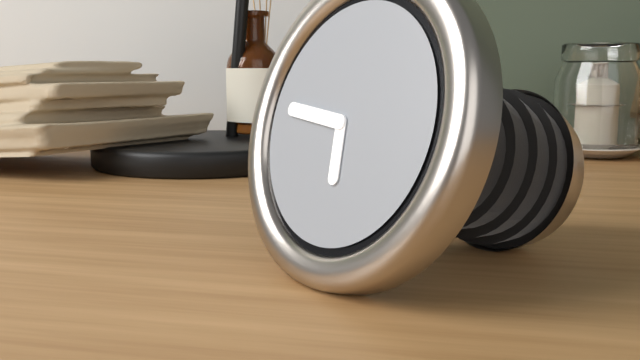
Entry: h=5 m=46
